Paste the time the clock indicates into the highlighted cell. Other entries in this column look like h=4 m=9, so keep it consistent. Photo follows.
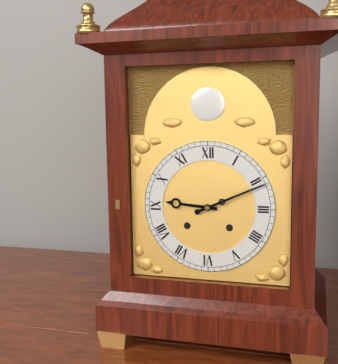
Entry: h=9 m=11
